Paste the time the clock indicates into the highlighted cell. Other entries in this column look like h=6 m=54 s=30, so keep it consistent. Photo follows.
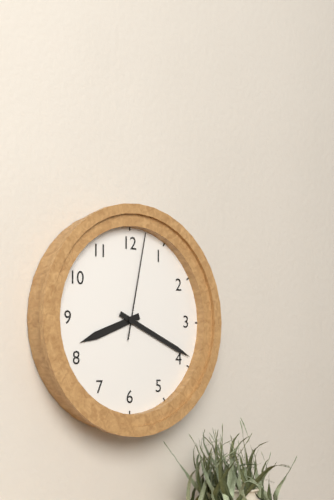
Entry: h=8 m=19 s=2
